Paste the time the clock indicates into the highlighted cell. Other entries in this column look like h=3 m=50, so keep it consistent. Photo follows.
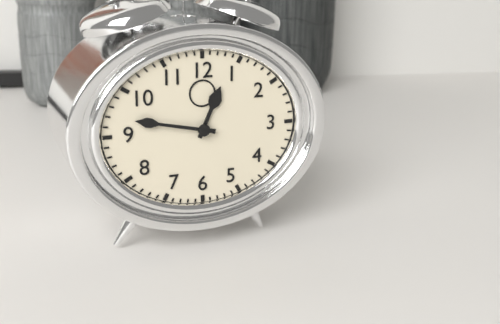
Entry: h=12 m=47
